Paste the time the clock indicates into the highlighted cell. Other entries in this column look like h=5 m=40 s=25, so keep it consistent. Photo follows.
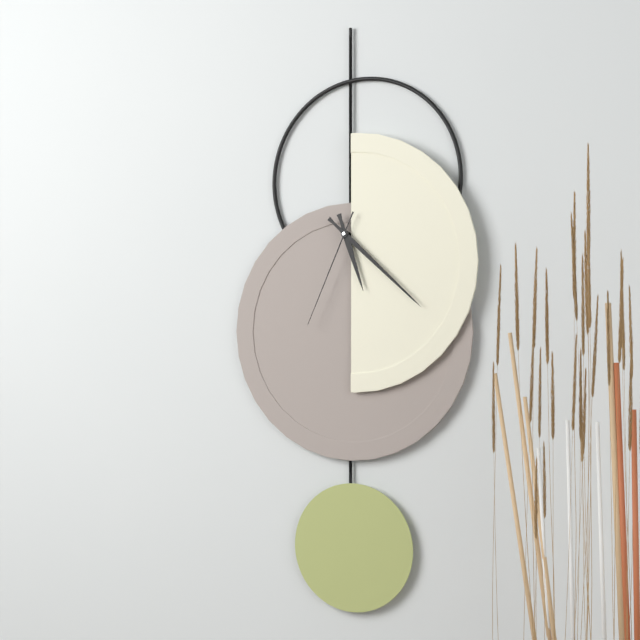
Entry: h=5 m=22 s=34
